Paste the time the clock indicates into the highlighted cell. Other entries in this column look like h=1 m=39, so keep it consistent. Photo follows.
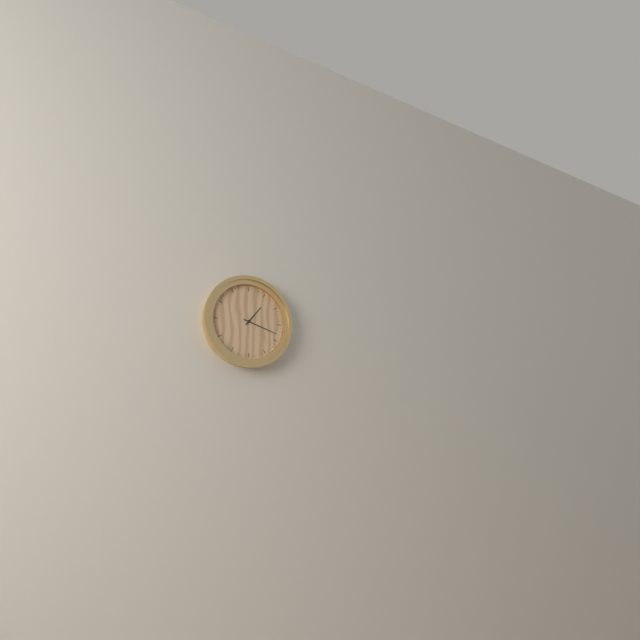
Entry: h=1 m=18
